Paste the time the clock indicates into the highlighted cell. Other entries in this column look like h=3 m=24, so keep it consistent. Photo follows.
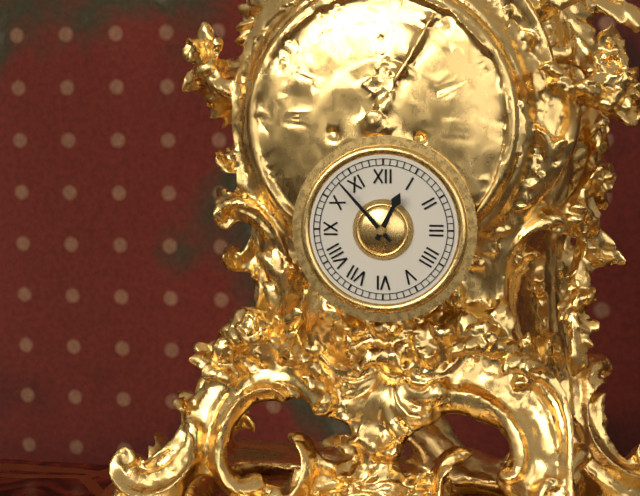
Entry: h=12 m=53
